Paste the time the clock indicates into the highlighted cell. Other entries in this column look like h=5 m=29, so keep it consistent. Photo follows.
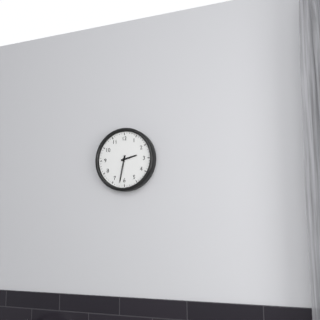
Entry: h=2 m=32
